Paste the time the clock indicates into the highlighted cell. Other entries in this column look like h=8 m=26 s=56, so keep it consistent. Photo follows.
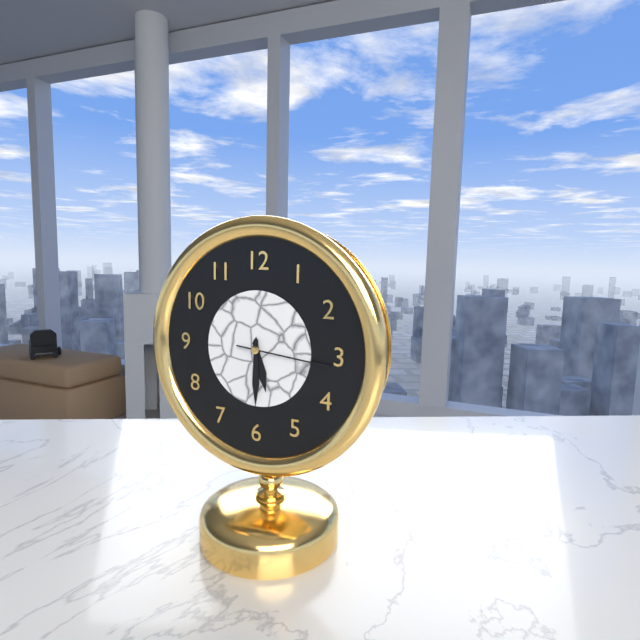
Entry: h=5 m=30 s=16
